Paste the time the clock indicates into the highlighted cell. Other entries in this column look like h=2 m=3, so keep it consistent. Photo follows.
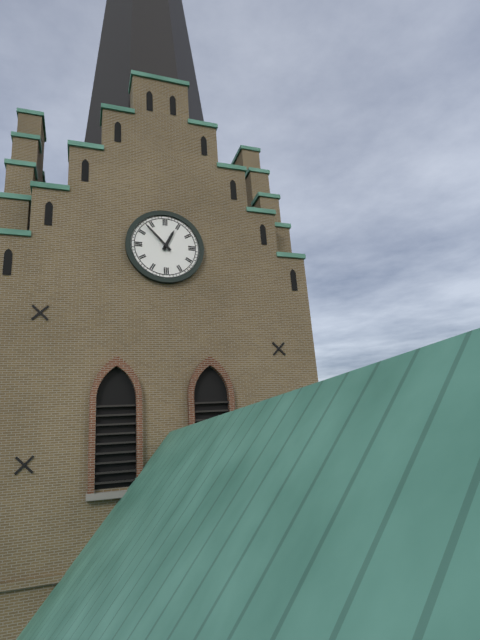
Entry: h=12 m=53
